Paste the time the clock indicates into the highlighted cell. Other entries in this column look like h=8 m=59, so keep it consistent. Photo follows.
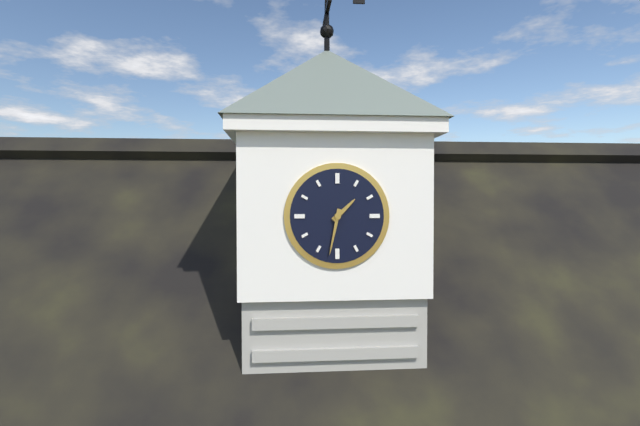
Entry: h=1 m=32
